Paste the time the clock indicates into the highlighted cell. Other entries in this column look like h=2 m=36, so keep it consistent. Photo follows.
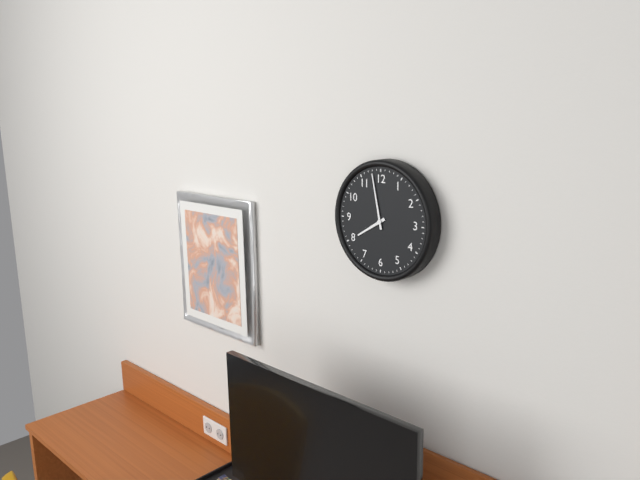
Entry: h=7 m=58
